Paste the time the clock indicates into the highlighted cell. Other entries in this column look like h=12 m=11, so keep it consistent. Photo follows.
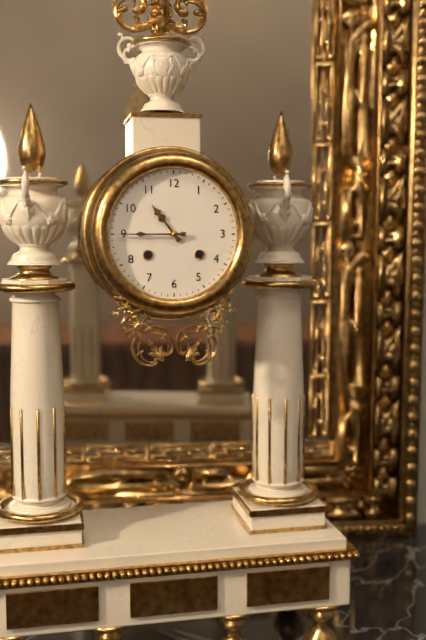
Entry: h=10 m=45
